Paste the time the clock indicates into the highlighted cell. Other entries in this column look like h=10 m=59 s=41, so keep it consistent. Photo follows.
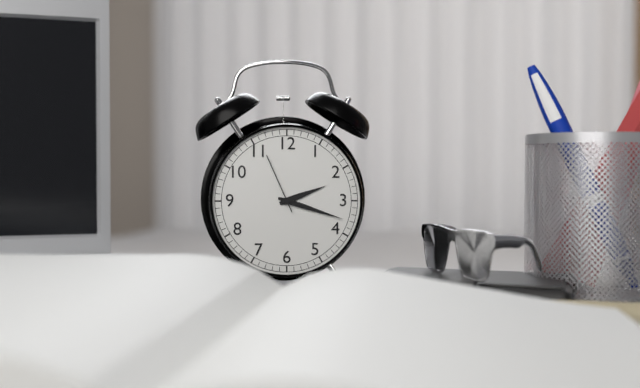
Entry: h=2 m=18 s=56
